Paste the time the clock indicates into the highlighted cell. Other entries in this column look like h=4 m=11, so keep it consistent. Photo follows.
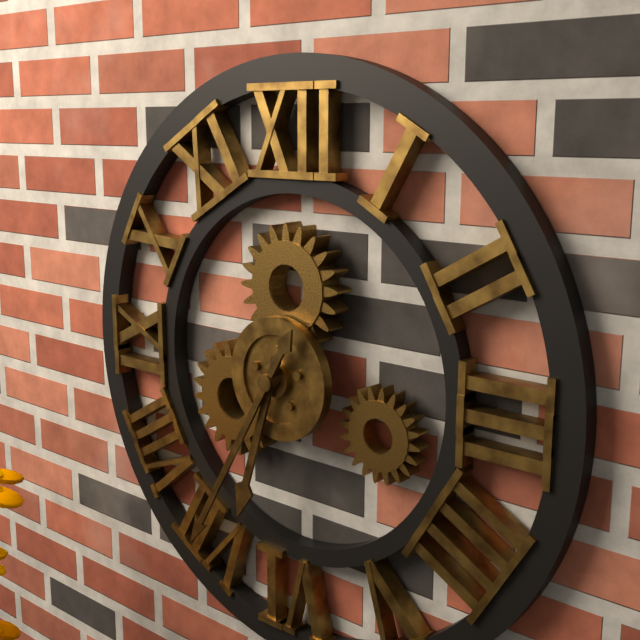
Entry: h=6 m=35
